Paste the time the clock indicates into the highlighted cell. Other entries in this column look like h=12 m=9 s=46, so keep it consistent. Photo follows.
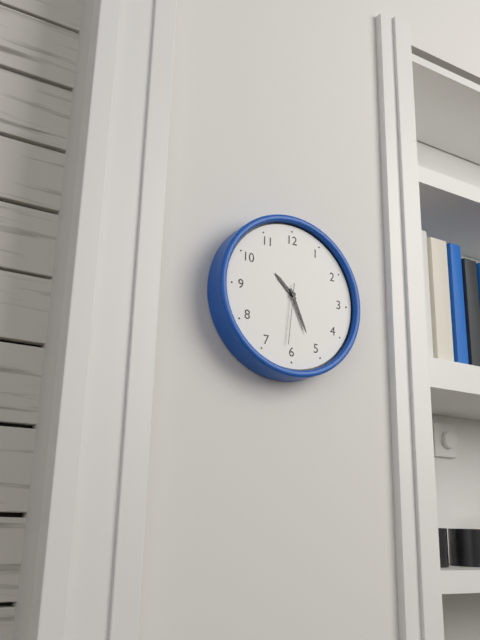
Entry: h=10 m=26 s=31
